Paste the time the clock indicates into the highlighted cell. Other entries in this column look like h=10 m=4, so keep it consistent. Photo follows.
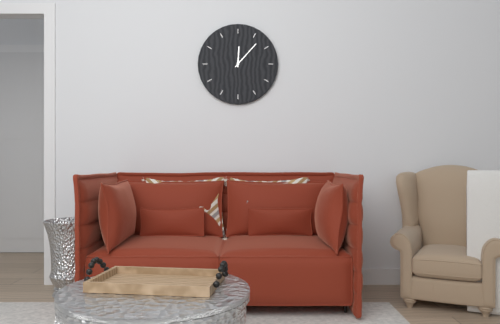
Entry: h=12 m=7
